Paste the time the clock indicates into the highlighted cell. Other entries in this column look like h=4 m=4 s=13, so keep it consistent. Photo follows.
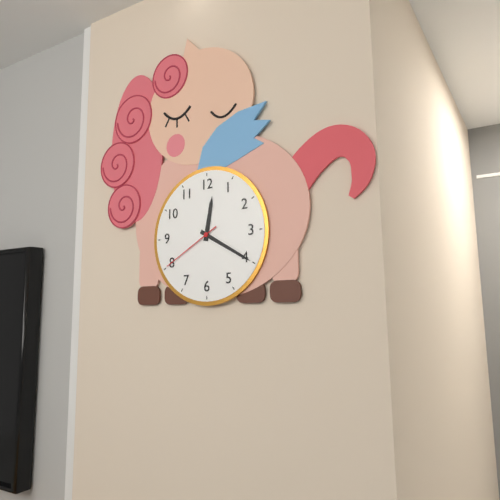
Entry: h=12 m=20 s=40
